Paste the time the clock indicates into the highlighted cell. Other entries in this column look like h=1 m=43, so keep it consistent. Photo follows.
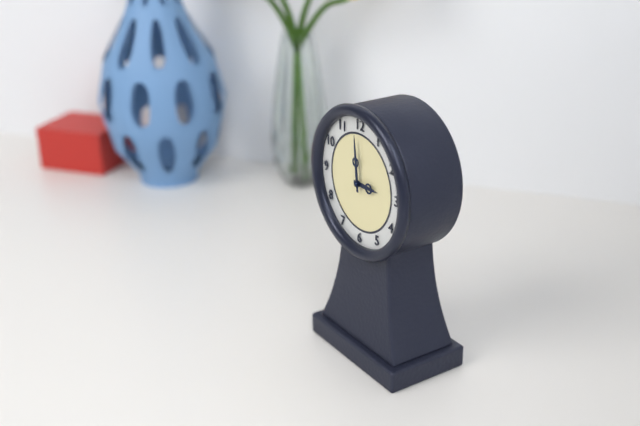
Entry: h=2 m=59
